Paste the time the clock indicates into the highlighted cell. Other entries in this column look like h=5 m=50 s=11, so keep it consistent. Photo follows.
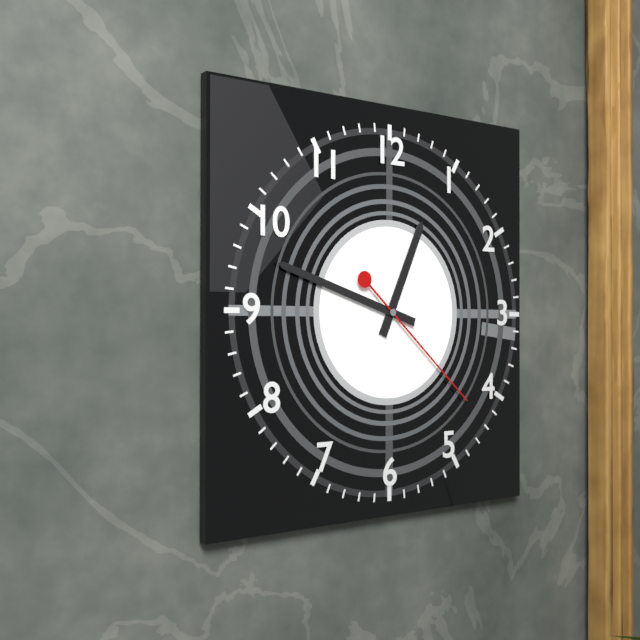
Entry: h=12 m=48 s=22
